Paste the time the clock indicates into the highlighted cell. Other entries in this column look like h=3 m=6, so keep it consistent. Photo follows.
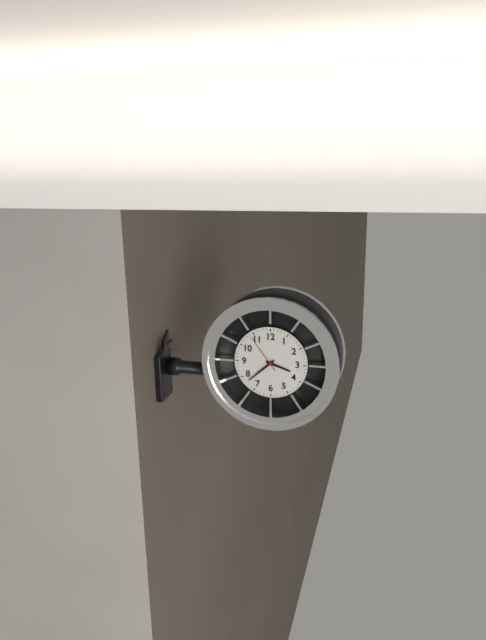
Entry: h=3 m=38
